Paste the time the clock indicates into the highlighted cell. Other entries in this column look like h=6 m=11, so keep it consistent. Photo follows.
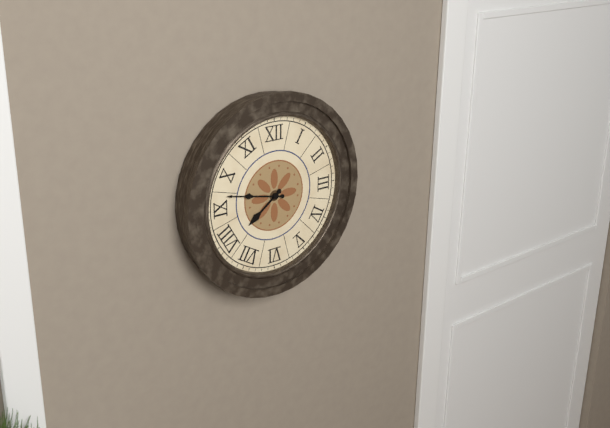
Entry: h=7 m=47
